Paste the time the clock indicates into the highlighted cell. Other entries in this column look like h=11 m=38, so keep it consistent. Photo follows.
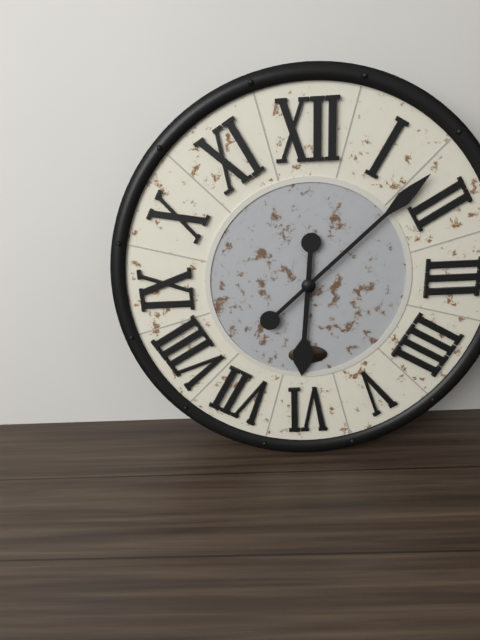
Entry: h=6 m=8
